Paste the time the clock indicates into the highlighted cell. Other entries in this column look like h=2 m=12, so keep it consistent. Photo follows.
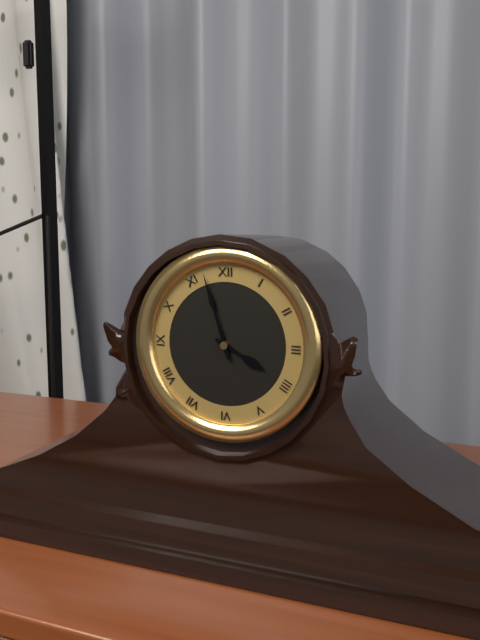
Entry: h=3 m=57
